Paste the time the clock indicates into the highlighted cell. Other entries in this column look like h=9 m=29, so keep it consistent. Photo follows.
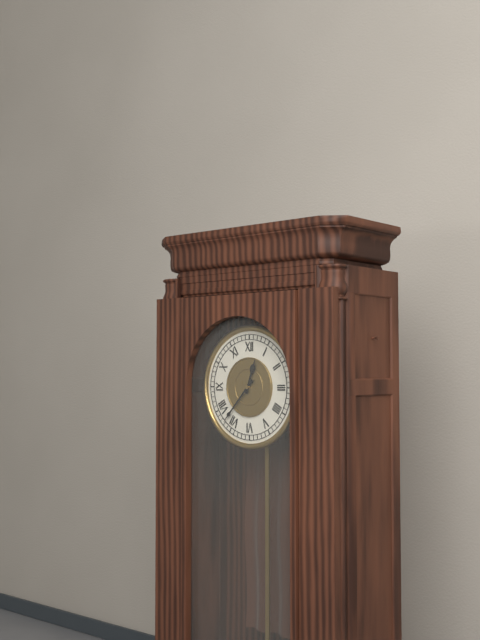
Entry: h=12 m=37
